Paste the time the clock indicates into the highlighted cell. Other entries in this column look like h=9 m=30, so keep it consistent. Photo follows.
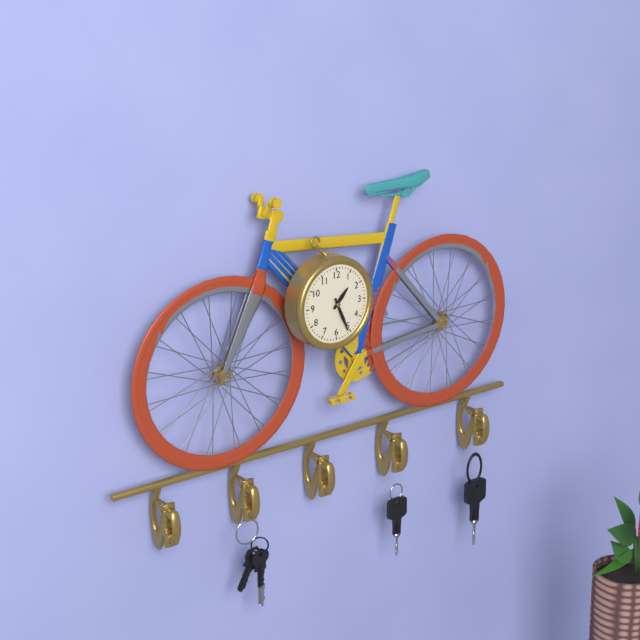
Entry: h=1 m=26
